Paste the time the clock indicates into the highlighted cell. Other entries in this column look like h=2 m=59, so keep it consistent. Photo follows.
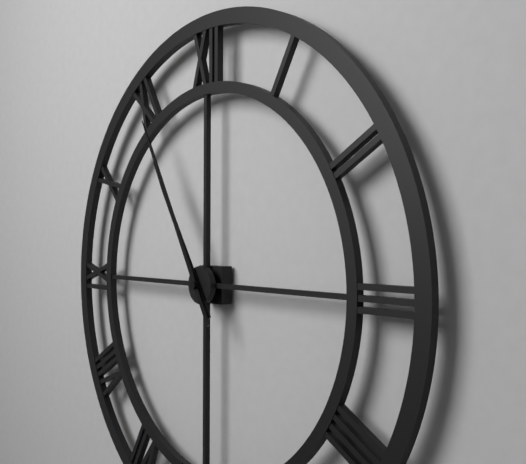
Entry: h=10 m=55
